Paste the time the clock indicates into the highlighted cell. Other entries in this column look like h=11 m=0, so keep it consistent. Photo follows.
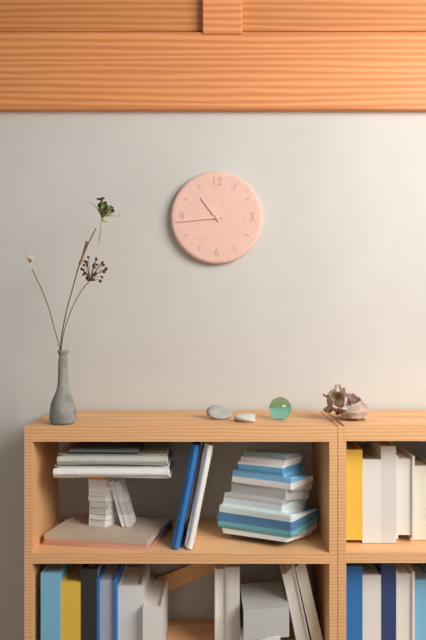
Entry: h=10 m=44
